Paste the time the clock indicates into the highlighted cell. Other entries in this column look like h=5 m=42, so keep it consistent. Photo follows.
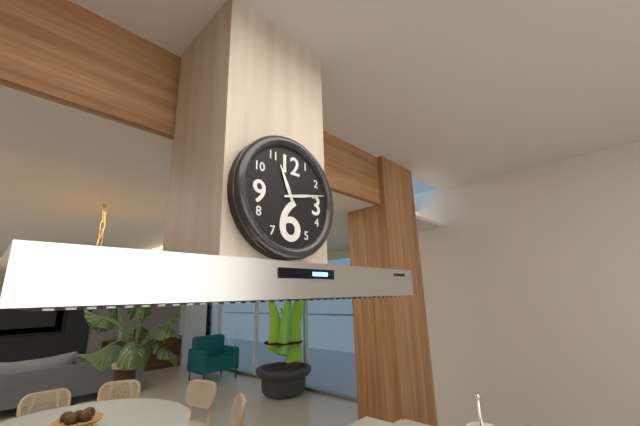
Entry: h=11 m=13
